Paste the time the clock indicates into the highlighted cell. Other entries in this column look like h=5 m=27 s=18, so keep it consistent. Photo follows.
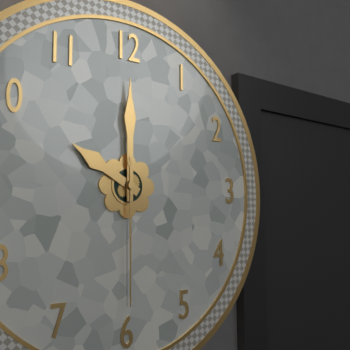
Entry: h=10 m=0 s=30
